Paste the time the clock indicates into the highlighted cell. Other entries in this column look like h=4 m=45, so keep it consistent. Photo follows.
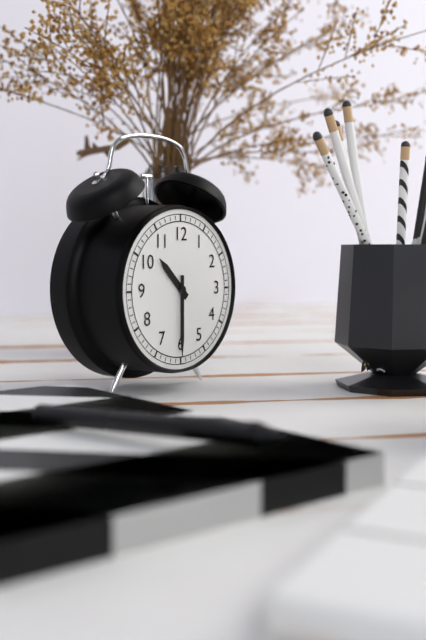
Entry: h=10 m=30
